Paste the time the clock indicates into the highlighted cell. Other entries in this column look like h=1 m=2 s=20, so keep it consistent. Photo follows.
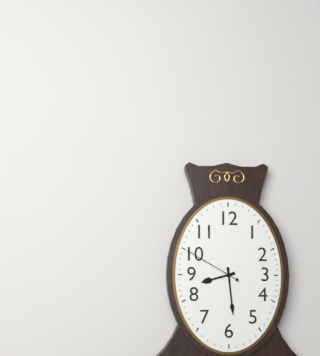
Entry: h=8 m=29 s=50
